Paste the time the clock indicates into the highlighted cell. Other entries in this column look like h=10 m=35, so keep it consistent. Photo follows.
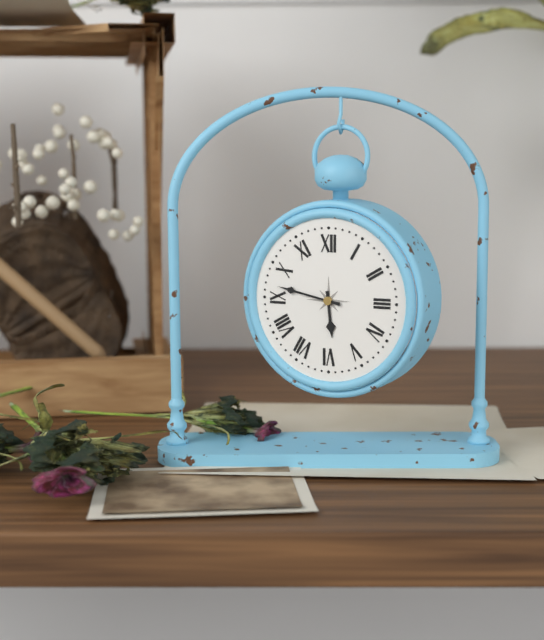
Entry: h=5 m=47
